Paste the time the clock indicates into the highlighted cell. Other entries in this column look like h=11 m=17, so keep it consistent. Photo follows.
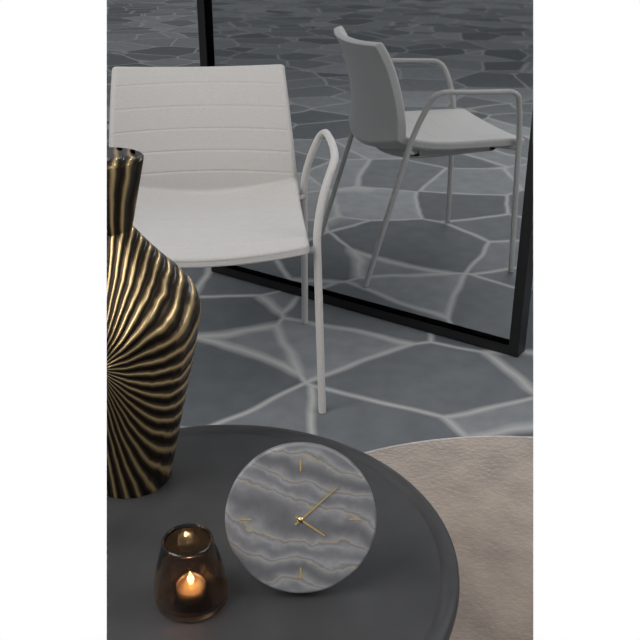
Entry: h=4 m=8
